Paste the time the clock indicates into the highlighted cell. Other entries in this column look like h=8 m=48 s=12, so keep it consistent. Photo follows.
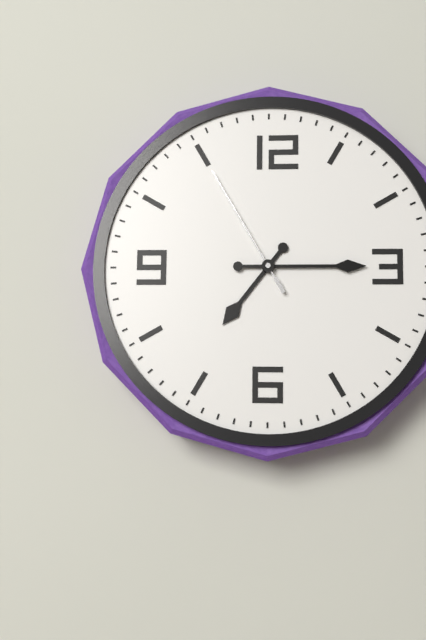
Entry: h=7 m=15 s=55
